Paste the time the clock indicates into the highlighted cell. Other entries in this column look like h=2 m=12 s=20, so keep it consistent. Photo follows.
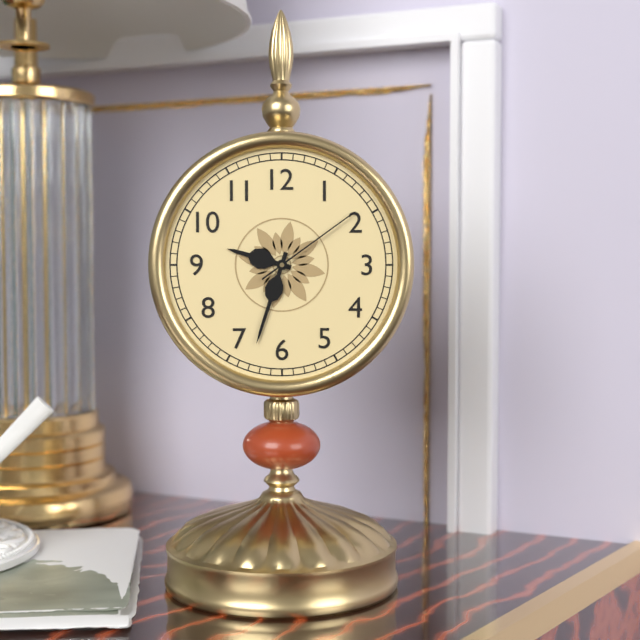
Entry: h=9 m=33 s=9
